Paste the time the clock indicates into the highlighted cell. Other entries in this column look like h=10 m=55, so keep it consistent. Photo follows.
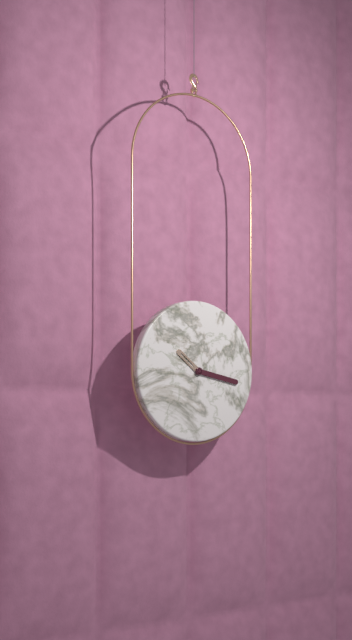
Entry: h=10 m=17
